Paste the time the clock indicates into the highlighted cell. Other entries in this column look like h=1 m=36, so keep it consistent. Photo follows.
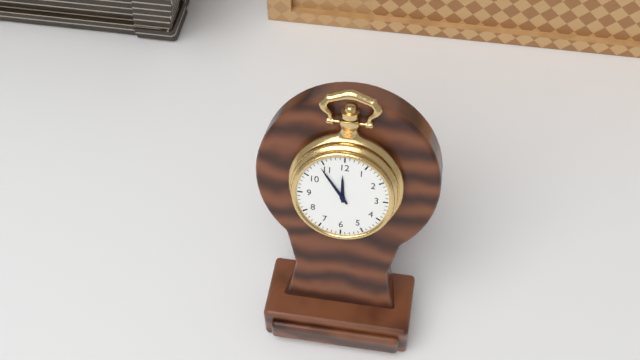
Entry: h=11 m=54
